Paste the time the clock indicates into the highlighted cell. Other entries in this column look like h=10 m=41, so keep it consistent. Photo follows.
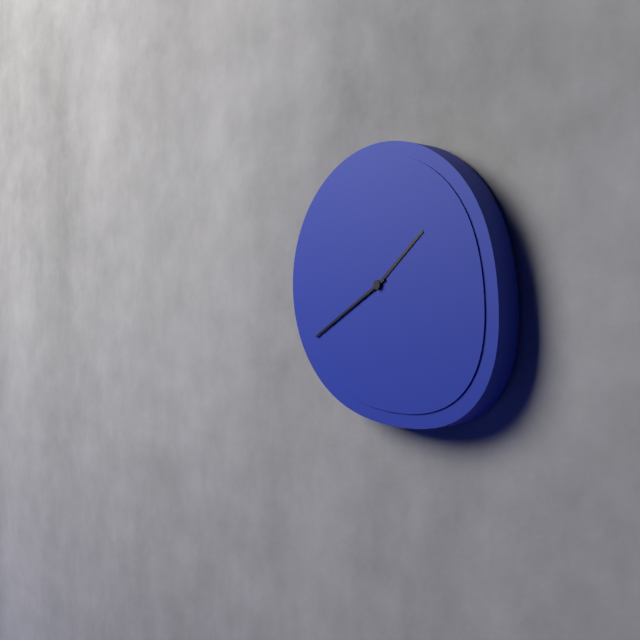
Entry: h=1 m=40
